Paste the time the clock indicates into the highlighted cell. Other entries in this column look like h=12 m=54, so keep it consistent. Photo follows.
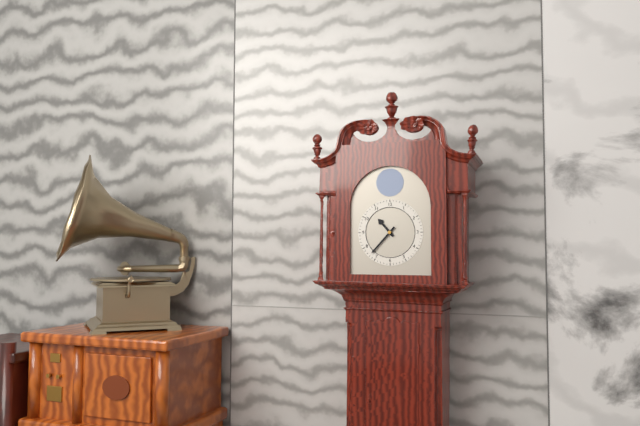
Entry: h=10 m=37
